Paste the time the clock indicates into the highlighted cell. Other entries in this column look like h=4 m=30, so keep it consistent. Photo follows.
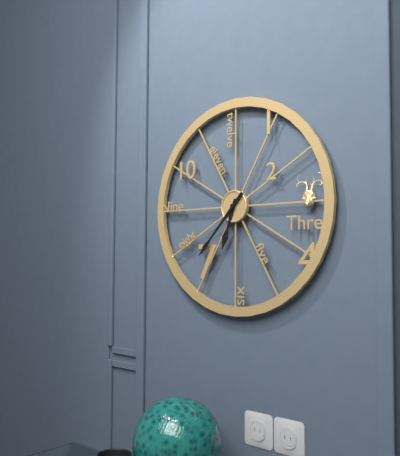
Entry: h=6 m=37
